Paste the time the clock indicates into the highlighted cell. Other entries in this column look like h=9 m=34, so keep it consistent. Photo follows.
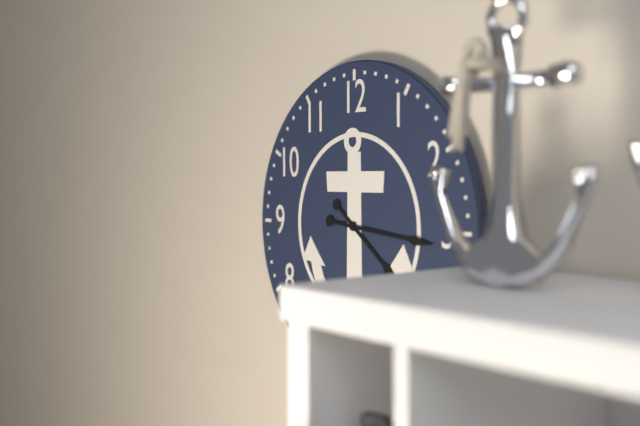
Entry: h=4 m=16
